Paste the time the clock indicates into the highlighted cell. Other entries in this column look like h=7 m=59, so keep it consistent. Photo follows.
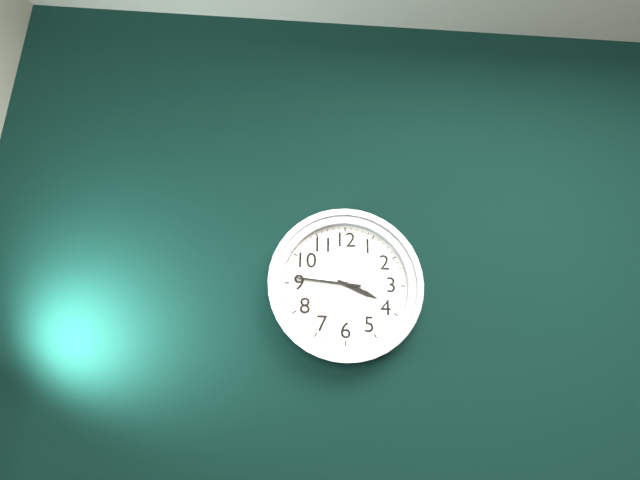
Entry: h=3 m=46
